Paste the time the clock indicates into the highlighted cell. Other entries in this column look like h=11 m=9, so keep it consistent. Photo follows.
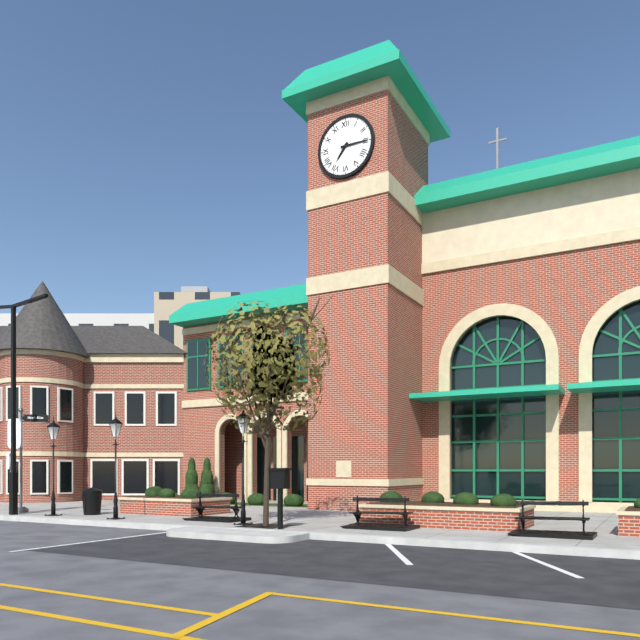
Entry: h=7 m=15
